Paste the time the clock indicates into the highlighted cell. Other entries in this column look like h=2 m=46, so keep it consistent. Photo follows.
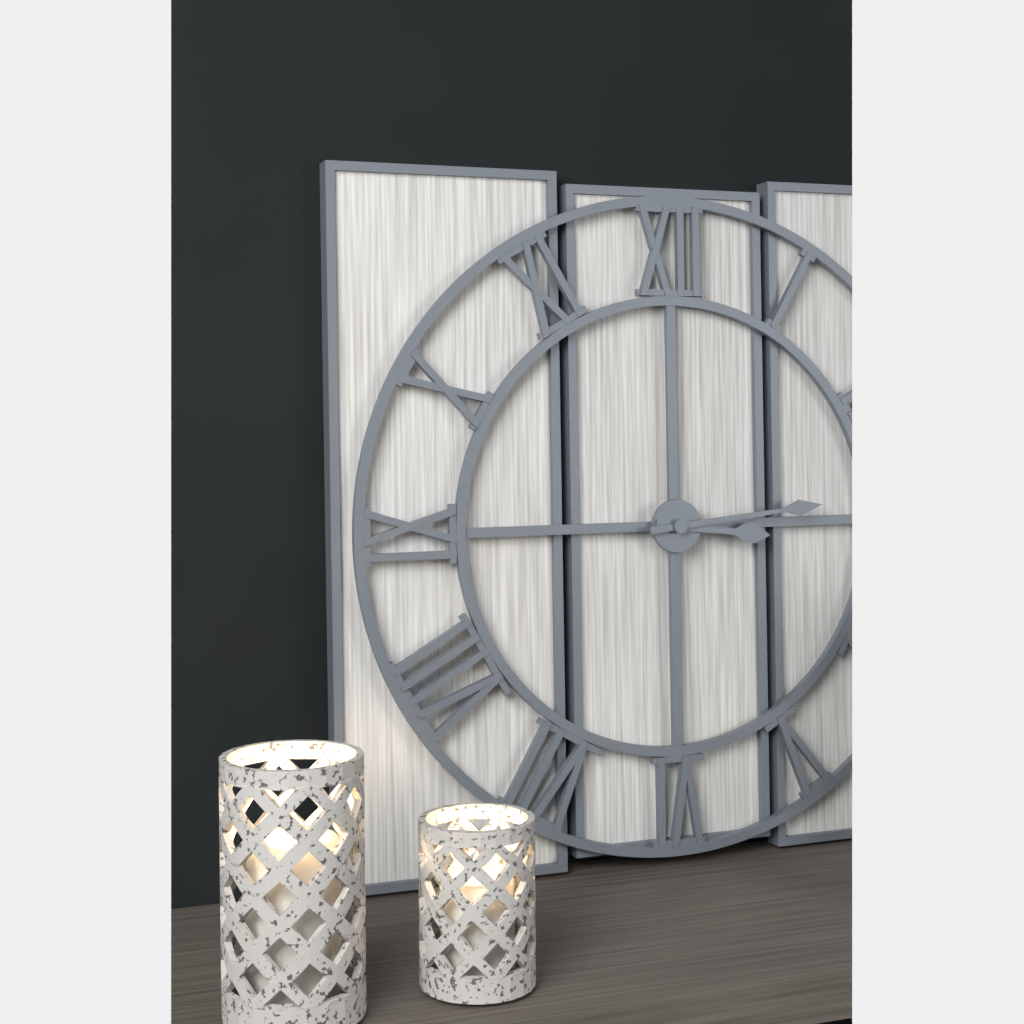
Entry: h=3 m=14
